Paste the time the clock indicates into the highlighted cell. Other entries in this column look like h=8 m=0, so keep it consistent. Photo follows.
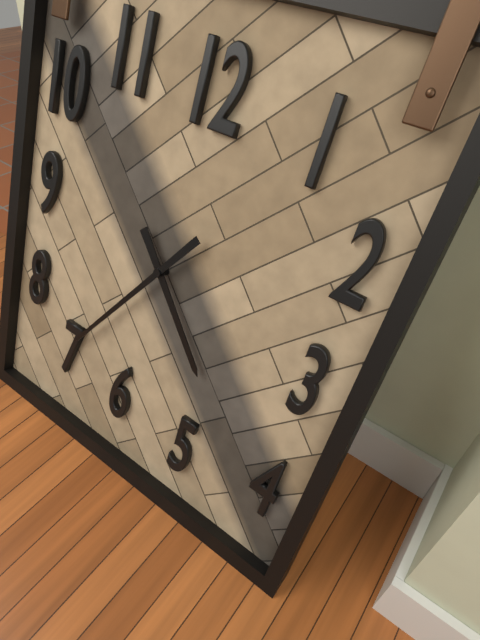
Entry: h=4 m=36
